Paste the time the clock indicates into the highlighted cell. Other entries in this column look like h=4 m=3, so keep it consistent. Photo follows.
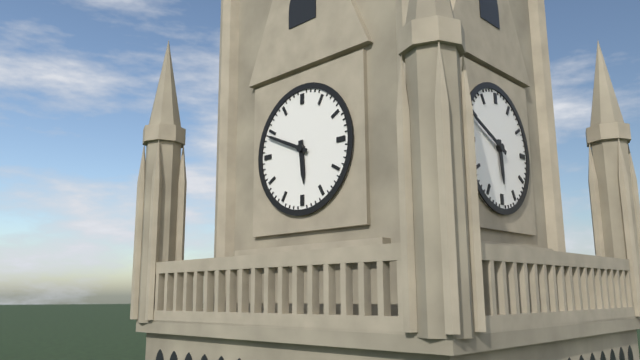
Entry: h=5 m=49
